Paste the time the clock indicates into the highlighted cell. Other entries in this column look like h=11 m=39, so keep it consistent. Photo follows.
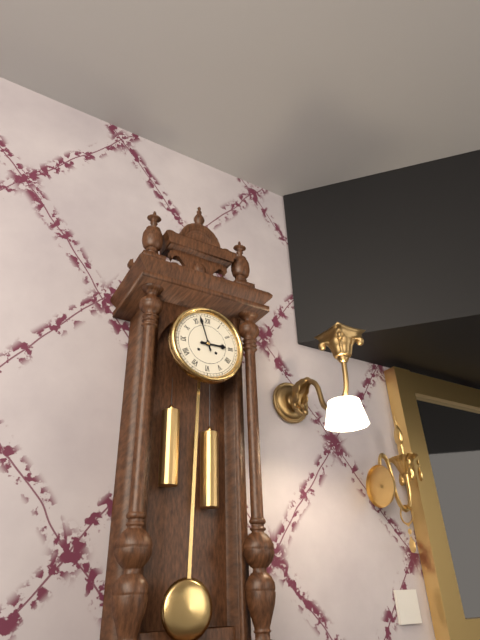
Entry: h=2 m=57
